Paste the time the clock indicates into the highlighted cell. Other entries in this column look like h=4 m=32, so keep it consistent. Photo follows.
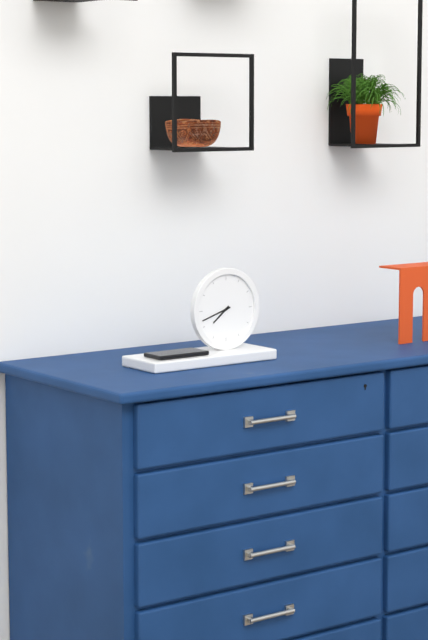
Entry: h=7 m=42
